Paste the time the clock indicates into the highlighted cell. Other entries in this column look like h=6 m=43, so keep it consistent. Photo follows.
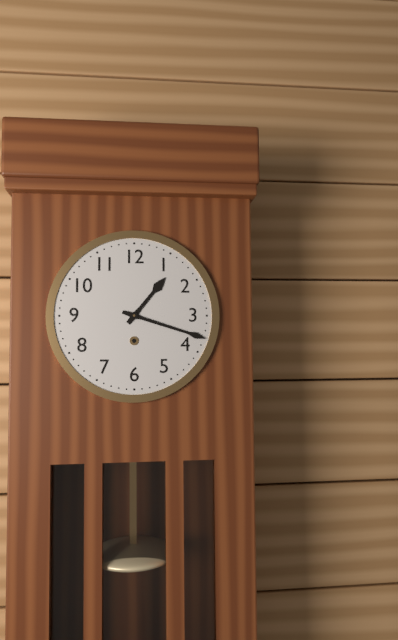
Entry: h=1 m=18
